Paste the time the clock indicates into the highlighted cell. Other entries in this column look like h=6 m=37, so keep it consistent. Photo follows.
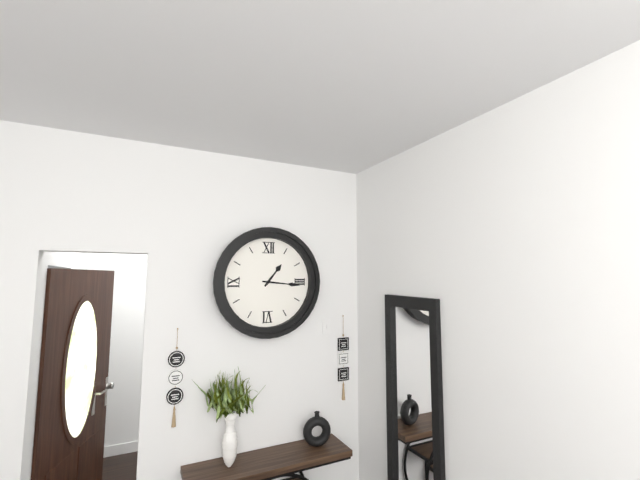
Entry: h=1 m=16
